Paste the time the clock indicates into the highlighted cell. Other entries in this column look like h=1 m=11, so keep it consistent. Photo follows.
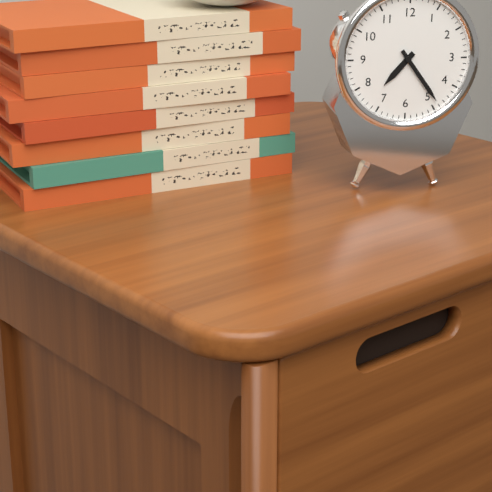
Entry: h=7 m=24
